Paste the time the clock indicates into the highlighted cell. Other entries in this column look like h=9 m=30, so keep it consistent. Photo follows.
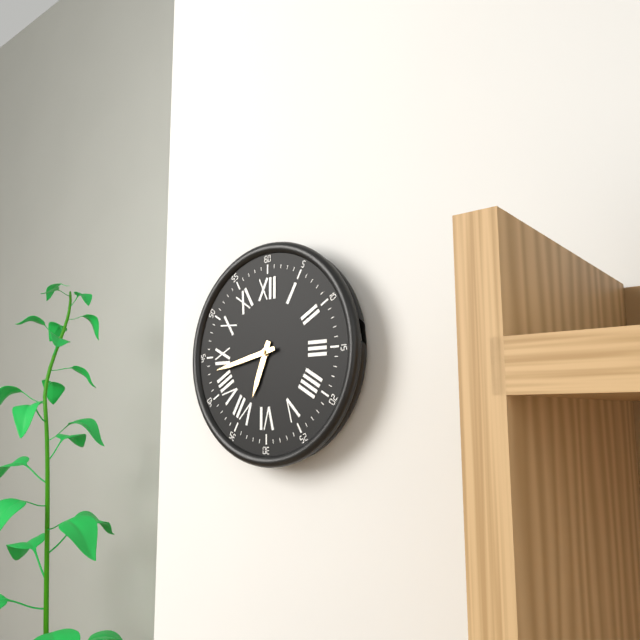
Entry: h=6 m=43
